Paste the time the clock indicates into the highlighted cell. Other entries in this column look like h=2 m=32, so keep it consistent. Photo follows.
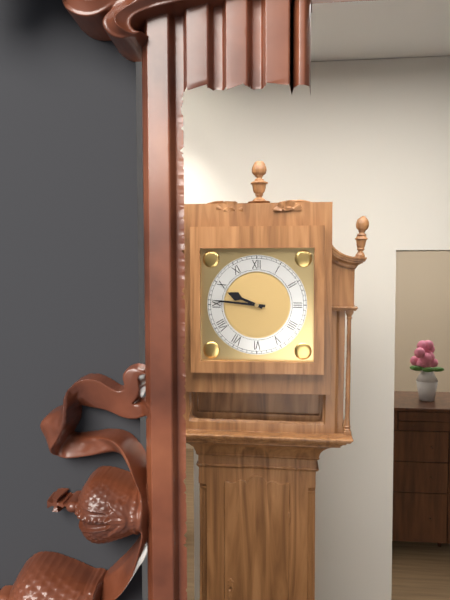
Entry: h=9 m=46
